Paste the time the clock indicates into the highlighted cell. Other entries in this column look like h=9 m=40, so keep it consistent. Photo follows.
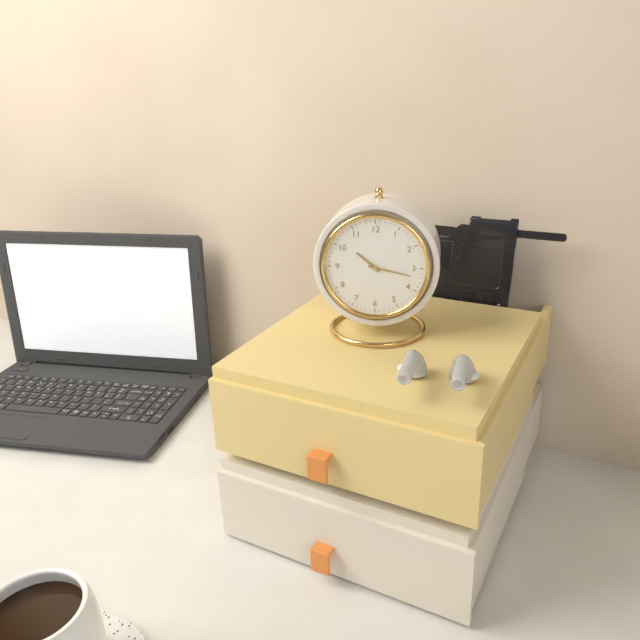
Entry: h=10 m=17
